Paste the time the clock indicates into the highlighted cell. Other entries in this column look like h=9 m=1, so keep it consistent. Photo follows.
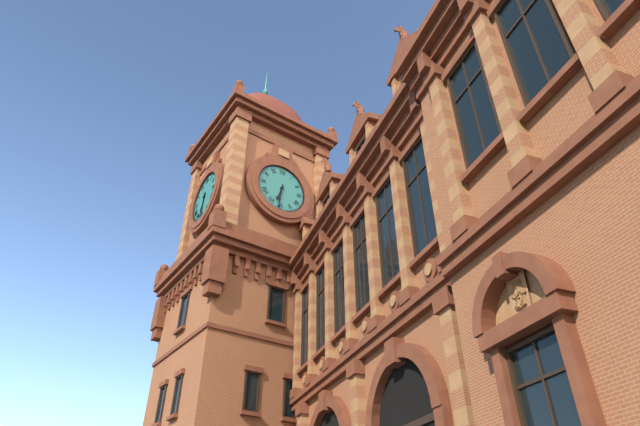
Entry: h=6 m=31
